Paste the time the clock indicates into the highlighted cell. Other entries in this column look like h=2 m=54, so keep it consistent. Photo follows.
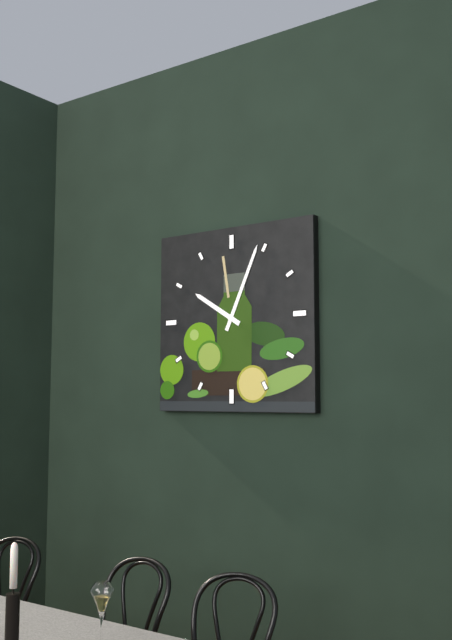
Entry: h=10 m=4
